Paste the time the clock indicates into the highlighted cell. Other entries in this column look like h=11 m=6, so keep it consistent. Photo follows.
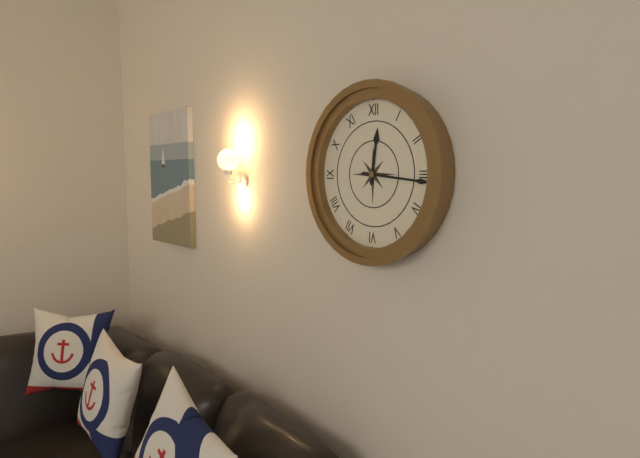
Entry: h=12 m=16
